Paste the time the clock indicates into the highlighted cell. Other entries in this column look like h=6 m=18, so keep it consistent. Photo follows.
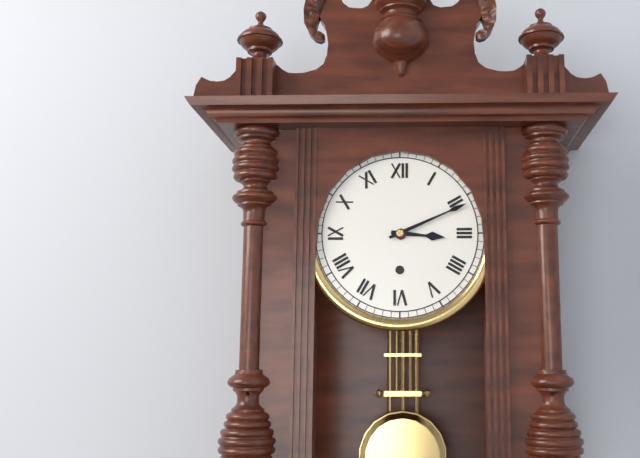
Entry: h=3 m=11
